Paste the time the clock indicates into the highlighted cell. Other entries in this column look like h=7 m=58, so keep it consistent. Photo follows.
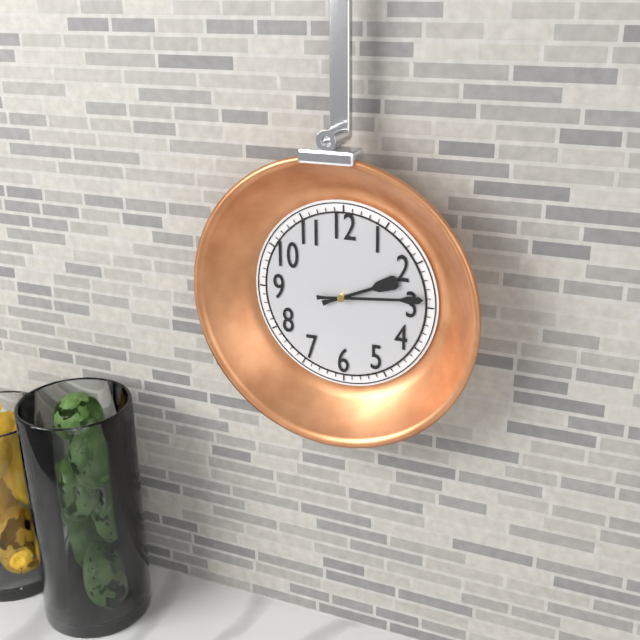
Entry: h=2 m=14
